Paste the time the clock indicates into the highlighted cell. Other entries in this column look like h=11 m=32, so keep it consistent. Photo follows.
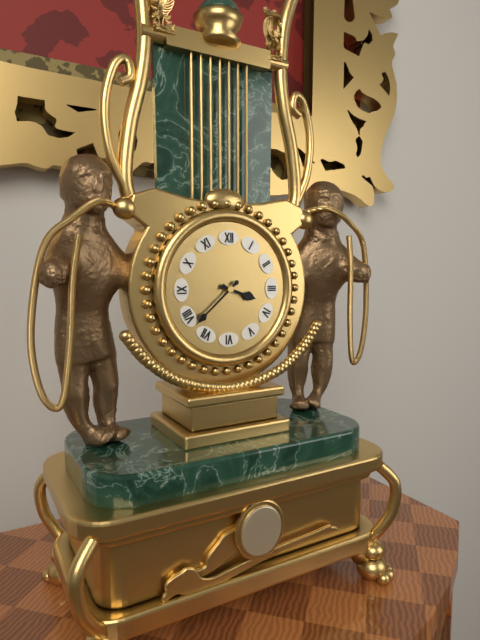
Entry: h=3 m=38
